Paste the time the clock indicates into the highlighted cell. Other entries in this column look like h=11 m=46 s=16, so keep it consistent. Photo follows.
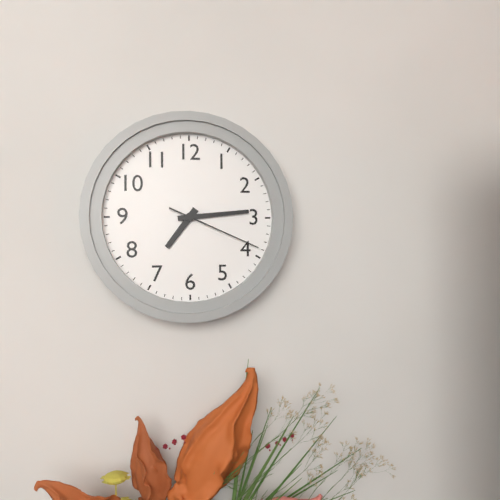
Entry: h=7 m=14 s=19
